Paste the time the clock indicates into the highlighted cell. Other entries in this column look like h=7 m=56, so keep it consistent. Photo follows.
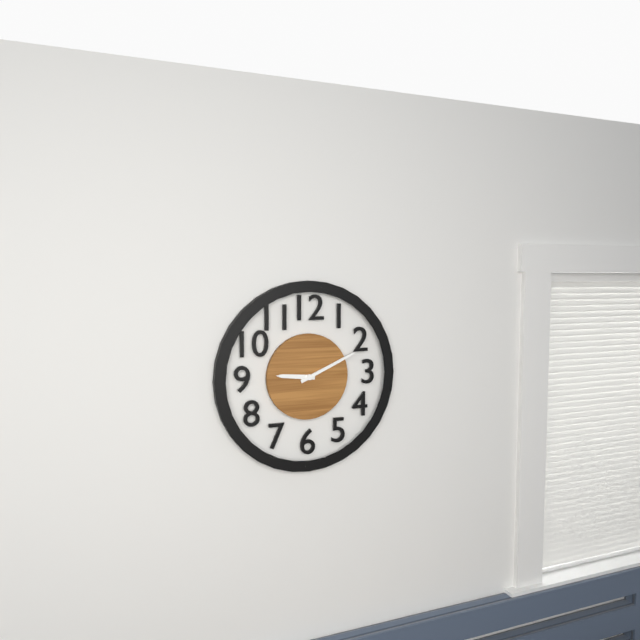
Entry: h=9 m=11
